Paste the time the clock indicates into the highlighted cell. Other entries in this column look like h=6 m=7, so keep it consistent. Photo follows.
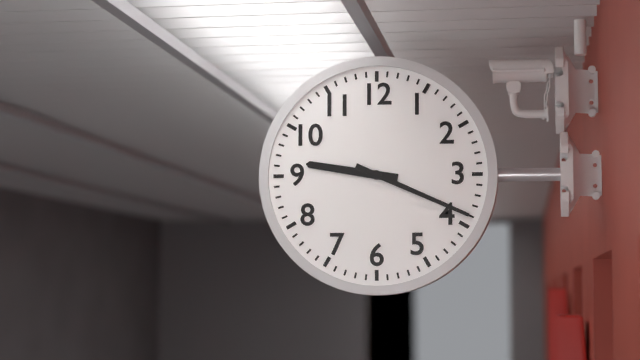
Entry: h=9 m=19
